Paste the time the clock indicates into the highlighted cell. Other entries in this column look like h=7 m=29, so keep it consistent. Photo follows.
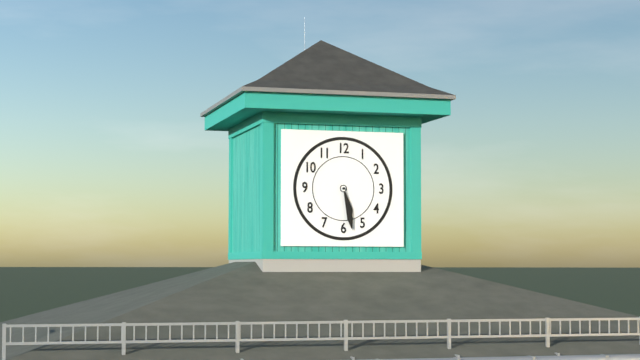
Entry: h=5 m=28
